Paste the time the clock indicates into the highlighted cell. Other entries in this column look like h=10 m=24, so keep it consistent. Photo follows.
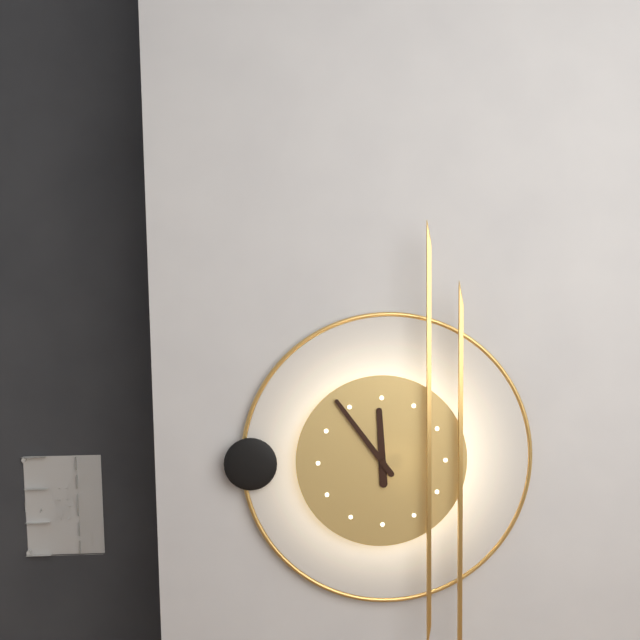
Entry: h=11 m=54
